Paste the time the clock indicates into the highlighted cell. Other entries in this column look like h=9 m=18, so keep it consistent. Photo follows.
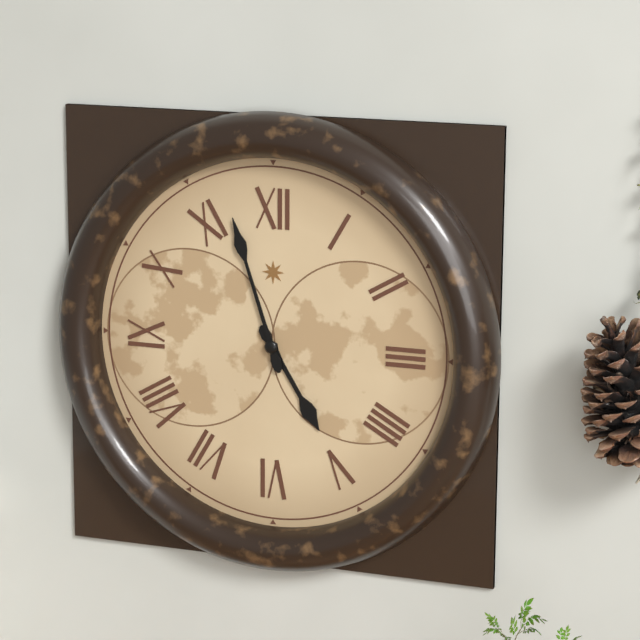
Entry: h=4 m=57
